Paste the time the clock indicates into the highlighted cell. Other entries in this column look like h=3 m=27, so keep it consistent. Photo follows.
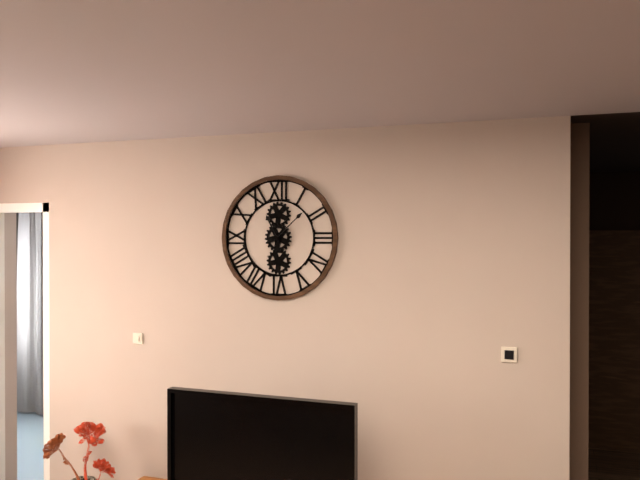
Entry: h=11 m=8
